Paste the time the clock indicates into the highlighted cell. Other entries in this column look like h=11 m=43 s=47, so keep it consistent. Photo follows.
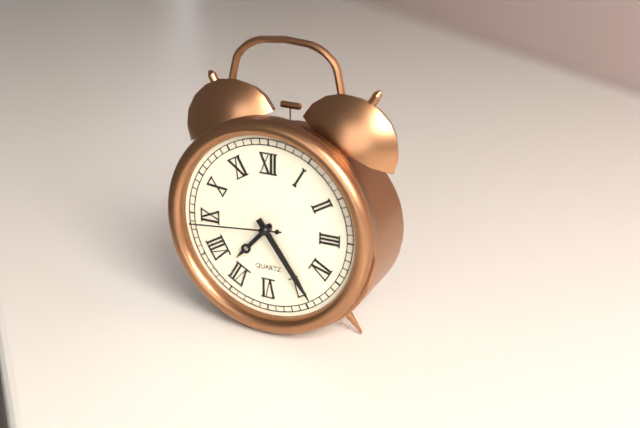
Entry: h=7 m=24 s=44
